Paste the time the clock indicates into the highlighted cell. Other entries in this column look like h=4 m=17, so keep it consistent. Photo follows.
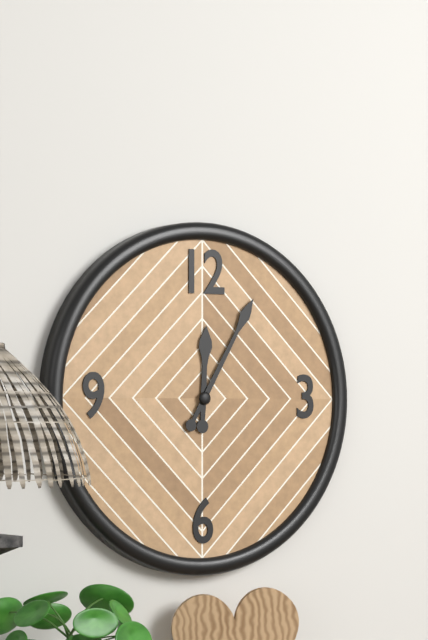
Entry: h=12 m=5
